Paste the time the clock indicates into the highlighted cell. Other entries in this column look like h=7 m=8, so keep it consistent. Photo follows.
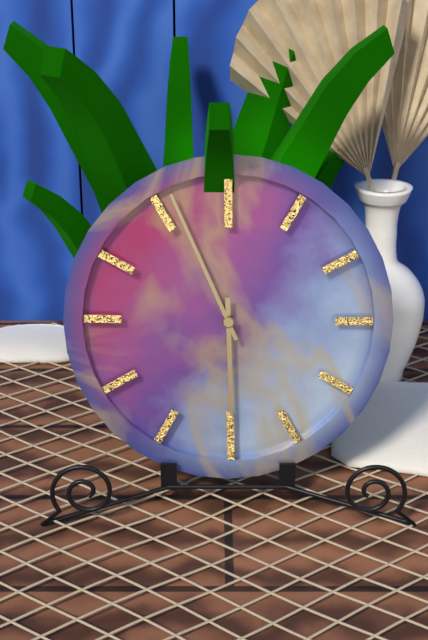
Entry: h=5 m=56
